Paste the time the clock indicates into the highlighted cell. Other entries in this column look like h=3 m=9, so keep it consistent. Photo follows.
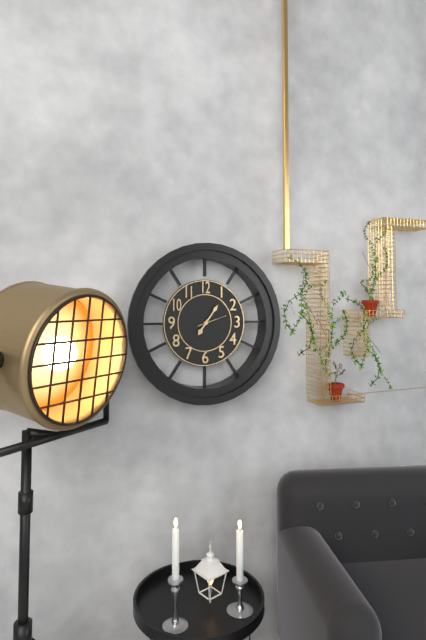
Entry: h=7 m=6
